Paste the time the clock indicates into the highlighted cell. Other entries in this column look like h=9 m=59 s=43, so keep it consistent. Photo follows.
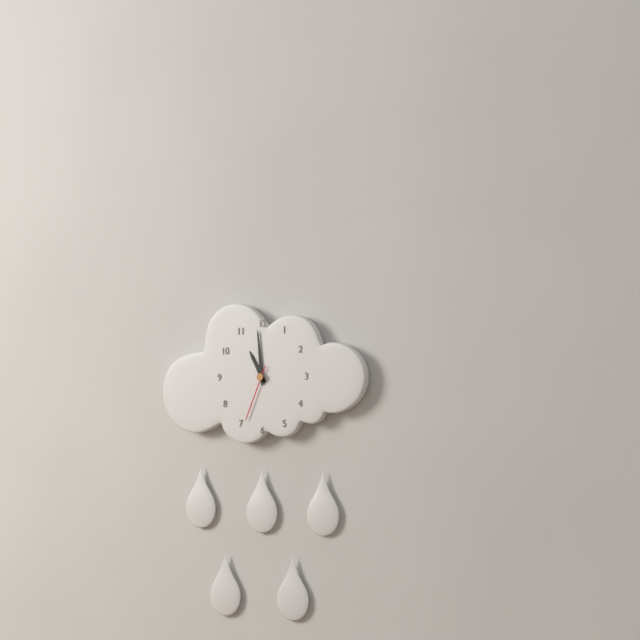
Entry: h=10 m=59 s=34
